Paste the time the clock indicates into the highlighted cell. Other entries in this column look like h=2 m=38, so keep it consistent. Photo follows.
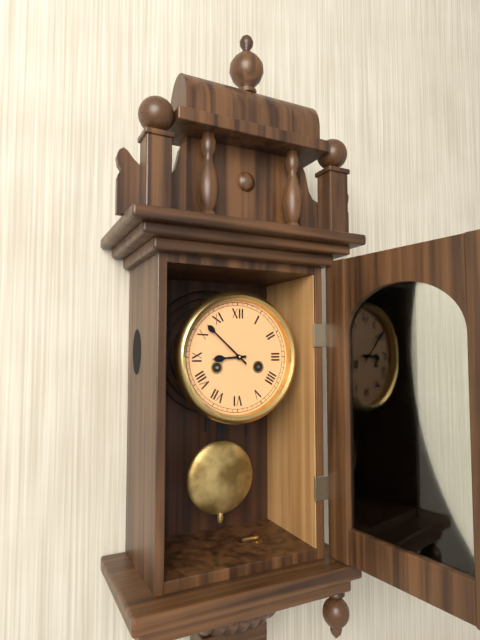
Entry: h=8 m=52
